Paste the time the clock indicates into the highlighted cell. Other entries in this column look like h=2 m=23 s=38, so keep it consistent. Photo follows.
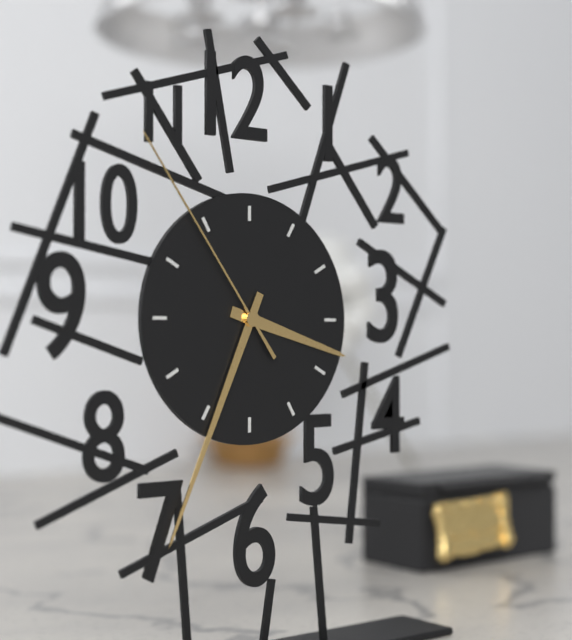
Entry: h=3 m=34 s=54
